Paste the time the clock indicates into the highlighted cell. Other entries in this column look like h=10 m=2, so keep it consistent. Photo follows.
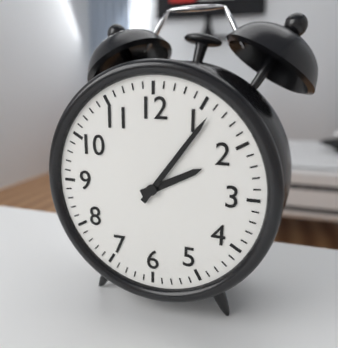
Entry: h=2 m=6
